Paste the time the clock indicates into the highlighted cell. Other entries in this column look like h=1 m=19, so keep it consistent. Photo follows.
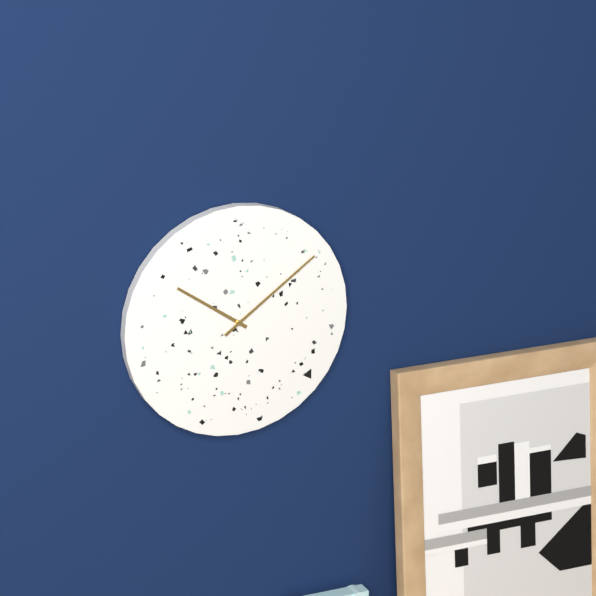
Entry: h=10 m=9
